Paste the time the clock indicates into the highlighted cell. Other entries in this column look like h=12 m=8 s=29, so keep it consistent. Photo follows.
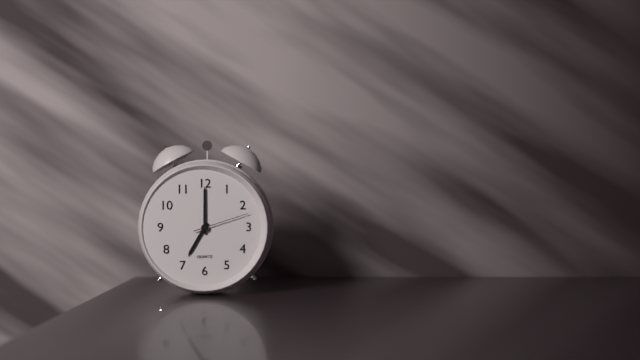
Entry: h=7 m=0 s=12
